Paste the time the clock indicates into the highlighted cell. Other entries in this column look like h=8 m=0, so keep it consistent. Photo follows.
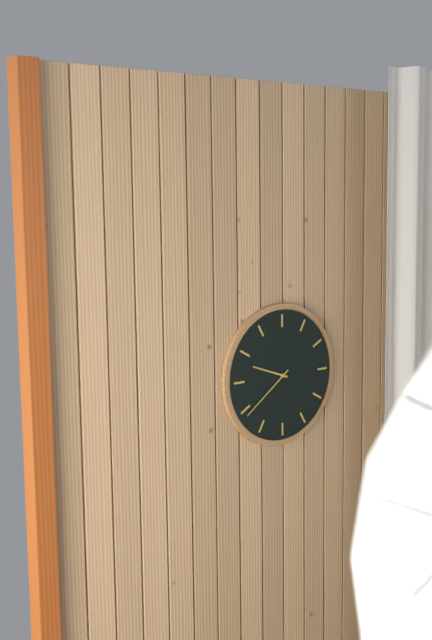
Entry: h=9 m=39
